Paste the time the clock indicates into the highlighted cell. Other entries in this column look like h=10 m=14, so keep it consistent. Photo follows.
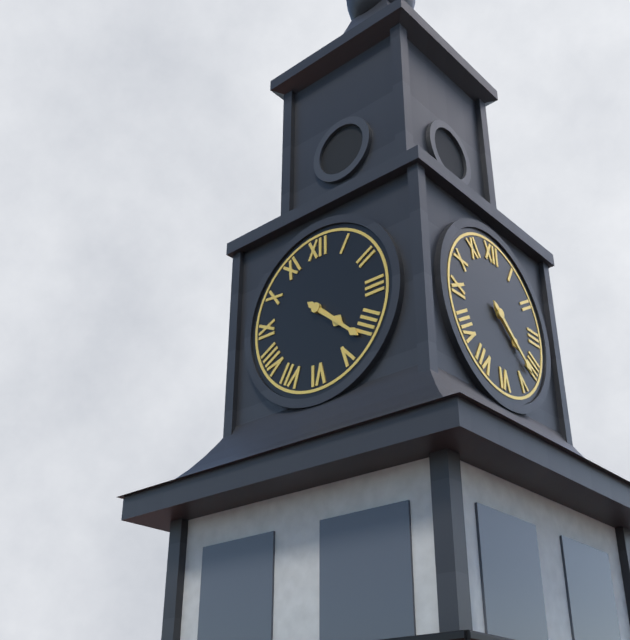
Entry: h=4 m=22
